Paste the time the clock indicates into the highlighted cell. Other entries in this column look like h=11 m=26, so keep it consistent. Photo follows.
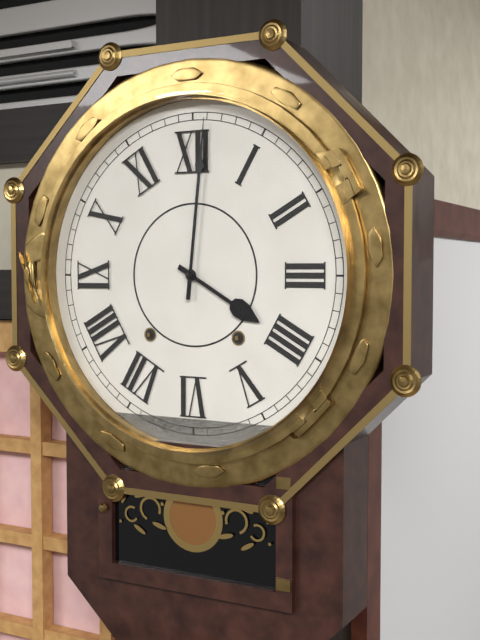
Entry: h=4 m=1
